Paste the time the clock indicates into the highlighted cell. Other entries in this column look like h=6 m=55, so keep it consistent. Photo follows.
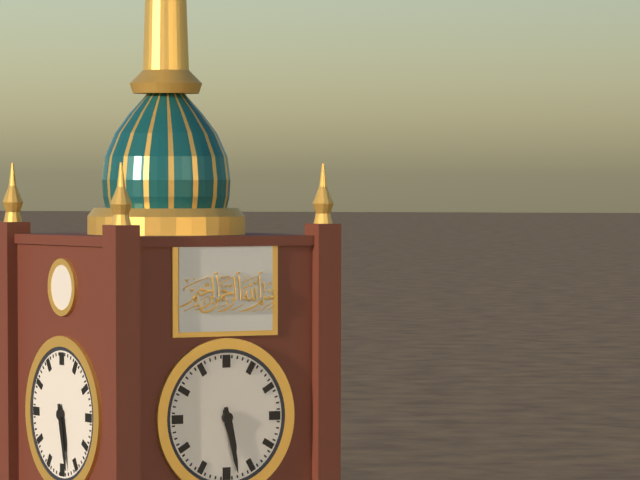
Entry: h=5 m=28
